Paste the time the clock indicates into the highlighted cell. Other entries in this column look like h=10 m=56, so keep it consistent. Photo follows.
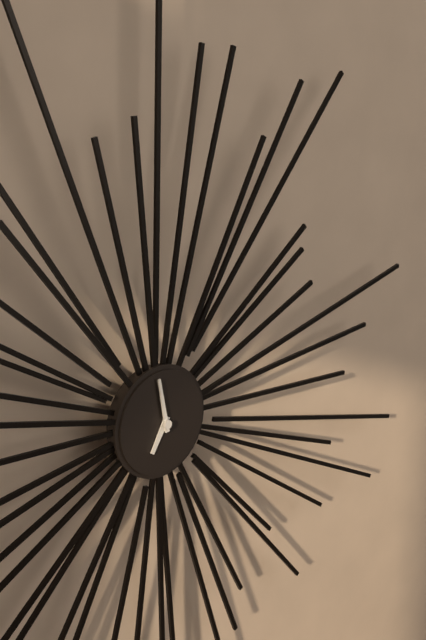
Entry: h=6 m=58
